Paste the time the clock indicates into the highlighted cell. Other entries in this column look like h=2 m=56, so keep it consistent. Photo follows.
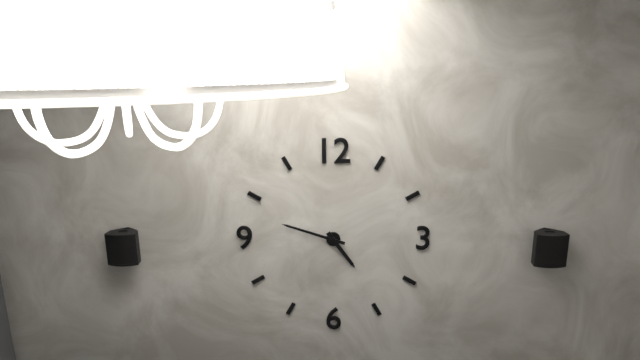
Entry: h=4 m=48
